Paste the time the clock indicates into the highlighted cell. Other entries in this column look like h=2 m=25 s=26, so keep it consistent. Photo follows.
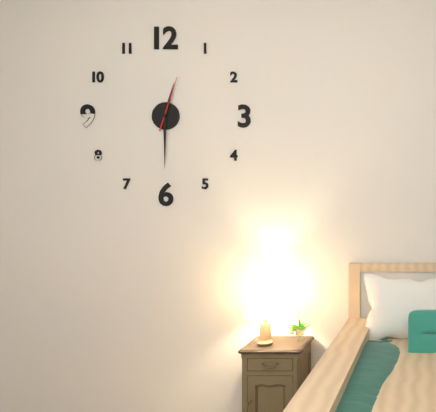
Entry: h=12 m=30 s=3
